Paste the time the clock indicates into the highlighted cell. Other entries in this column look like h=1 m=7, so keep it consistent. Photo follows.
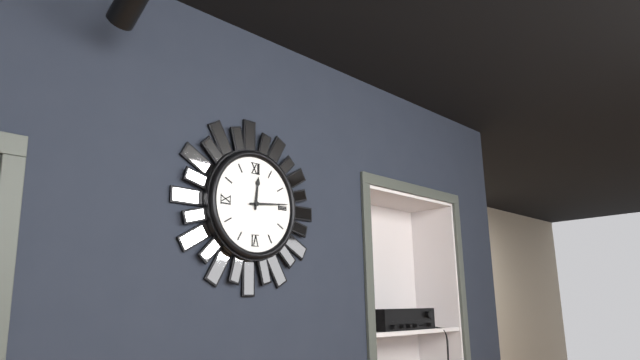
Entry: h=12 m=14
